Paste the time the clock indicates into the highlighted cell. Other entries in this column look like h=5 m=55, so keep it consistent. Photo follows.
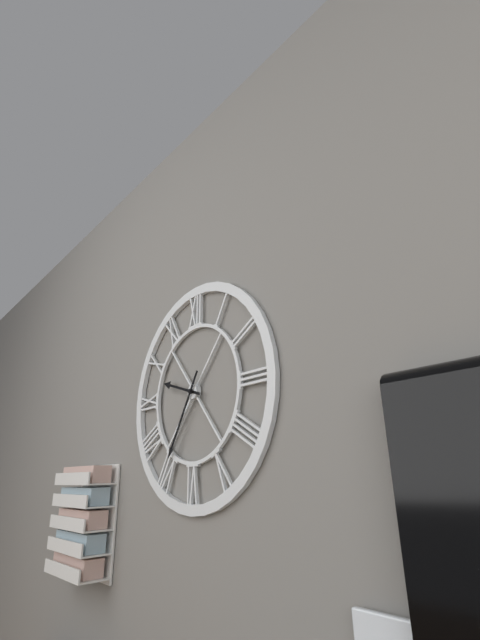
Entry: h=9 m=35
